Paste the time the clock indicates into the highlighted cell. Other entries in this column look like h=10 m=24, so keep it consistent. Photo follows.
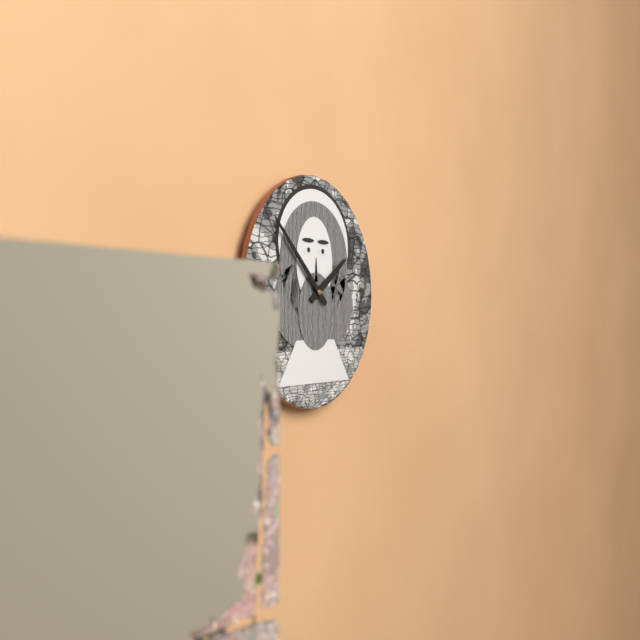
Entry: h=1 m=52
